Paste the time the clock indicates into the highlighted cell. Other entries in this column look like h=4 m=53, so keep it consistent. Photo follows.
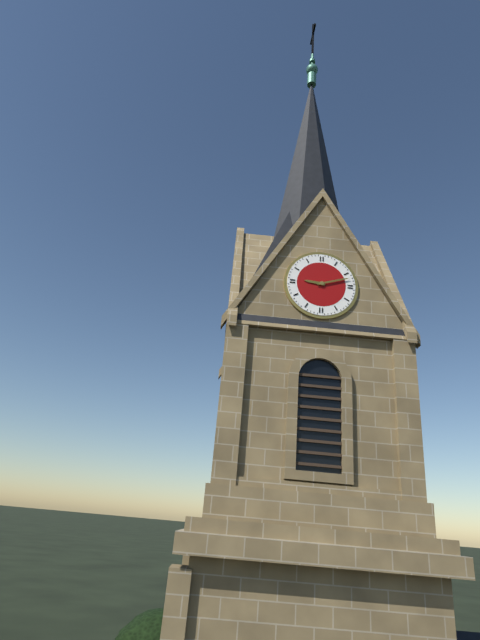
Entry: h=9 m=12
